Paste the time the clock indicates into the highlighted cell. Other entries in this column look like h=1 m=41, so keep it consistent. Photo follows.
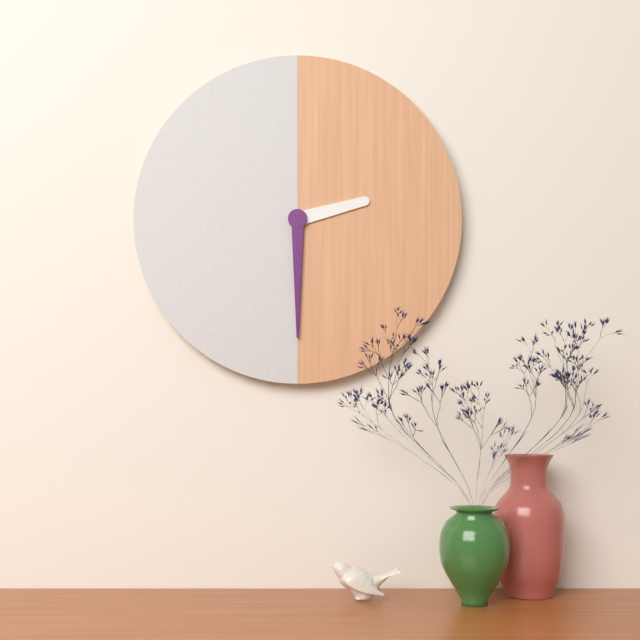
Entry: h=2 m=30
